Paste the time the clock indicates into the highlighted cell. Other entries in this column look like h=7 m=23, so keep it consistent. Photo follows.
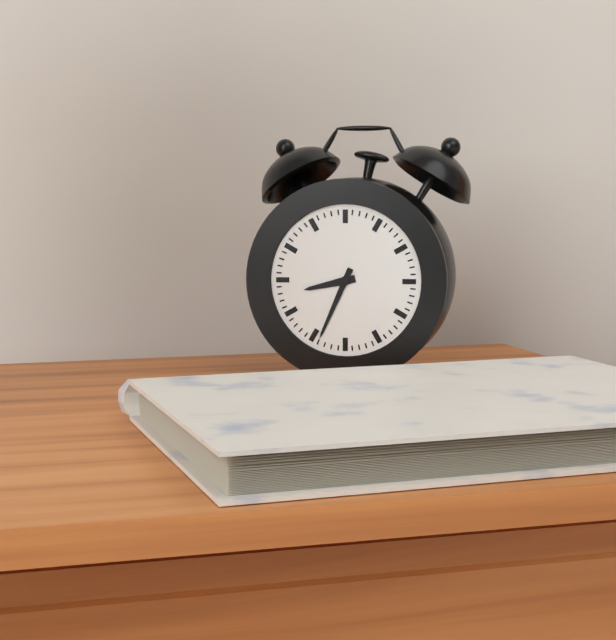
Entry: h=8 m=34
